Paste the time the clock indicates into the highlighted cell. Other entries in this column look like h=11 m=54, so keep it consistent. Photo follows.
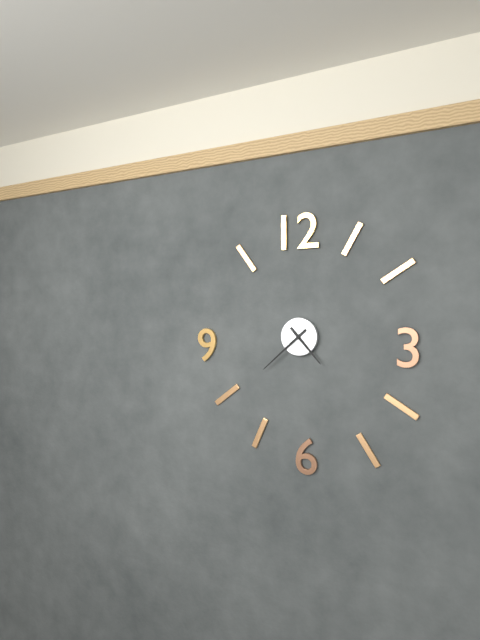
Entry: h=4 m=38
